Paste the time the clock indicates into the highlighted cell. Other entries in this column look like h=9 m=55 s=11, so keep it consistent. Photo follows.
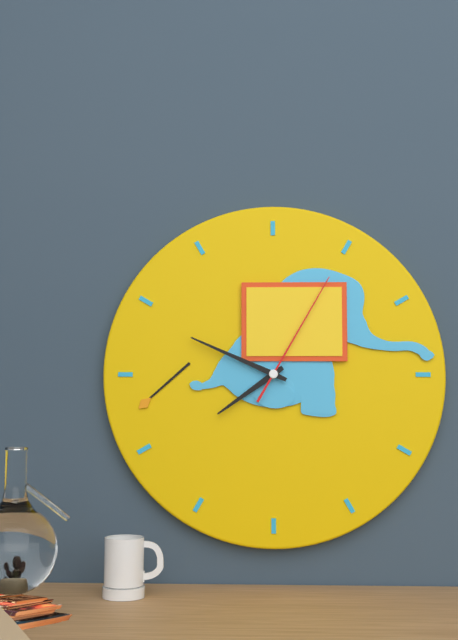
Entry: h=7 m=49 s=5
